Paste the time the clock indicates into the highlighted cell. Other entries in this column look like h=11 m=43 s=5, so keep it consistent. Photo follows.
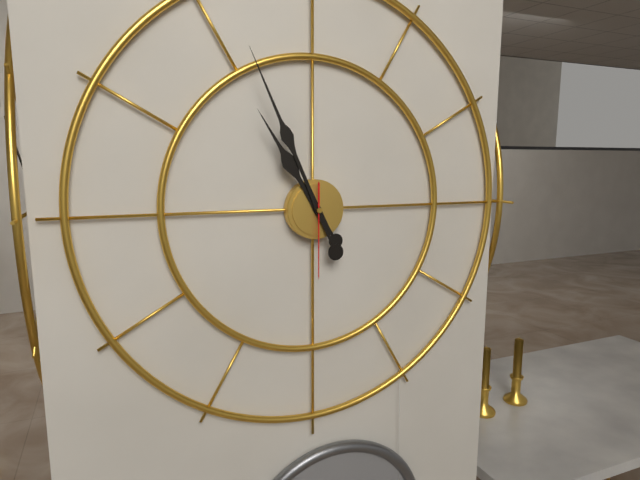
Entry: h=10 m=56 s=30
